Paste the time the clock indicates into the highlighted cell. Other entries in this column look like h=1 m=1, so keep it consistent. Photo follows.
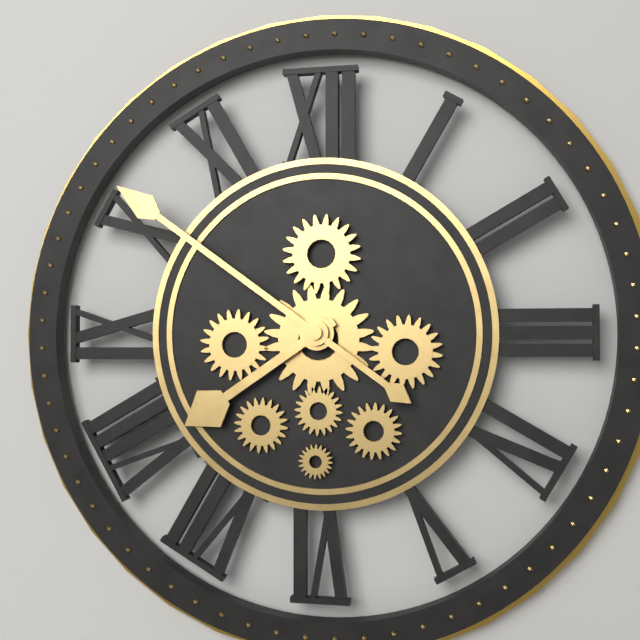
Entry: h=7 m=51
